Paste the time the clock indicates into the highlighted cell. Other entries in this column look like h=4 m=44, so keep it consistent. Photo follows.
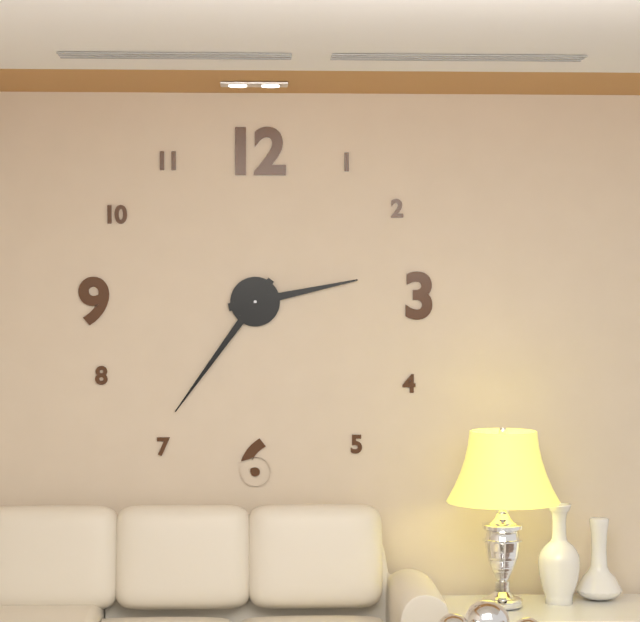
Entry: h=2 m=36
